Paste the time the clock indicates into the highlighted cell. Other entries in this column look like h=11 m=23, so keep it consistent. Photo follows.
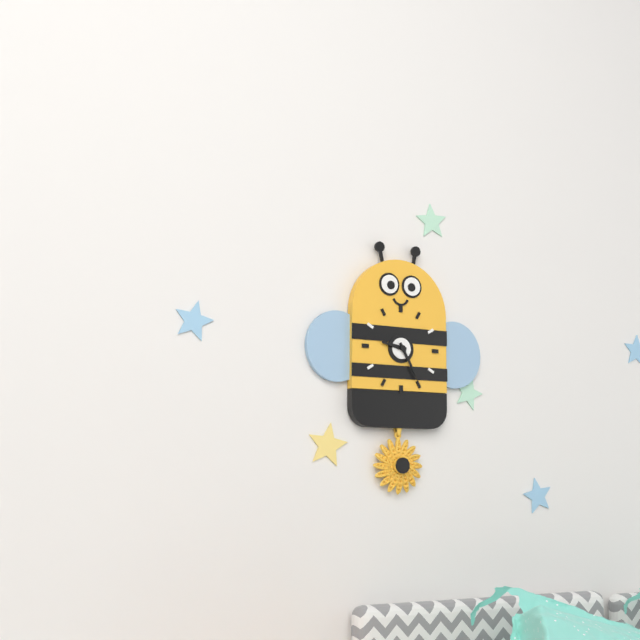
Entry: h=9 m=25
